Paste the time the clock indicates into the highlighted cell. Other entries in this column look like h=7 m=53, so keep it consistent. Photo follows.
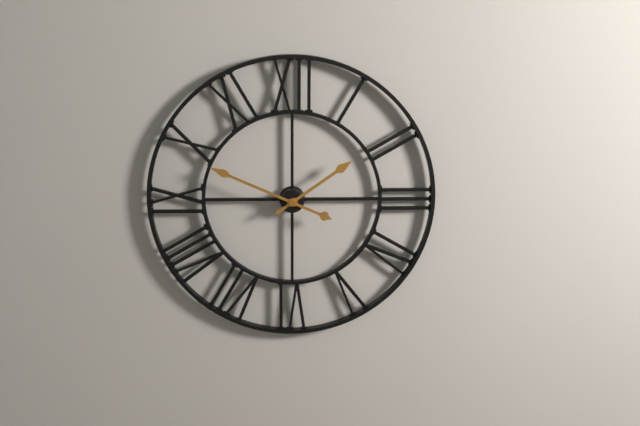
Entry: h=1 m=49
